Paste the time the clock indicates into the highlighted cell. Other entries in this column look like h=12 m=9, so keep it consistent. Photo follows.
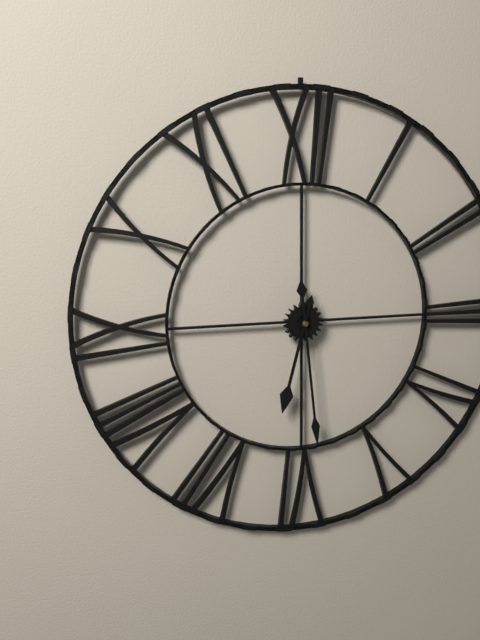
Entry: h=6 m=29
